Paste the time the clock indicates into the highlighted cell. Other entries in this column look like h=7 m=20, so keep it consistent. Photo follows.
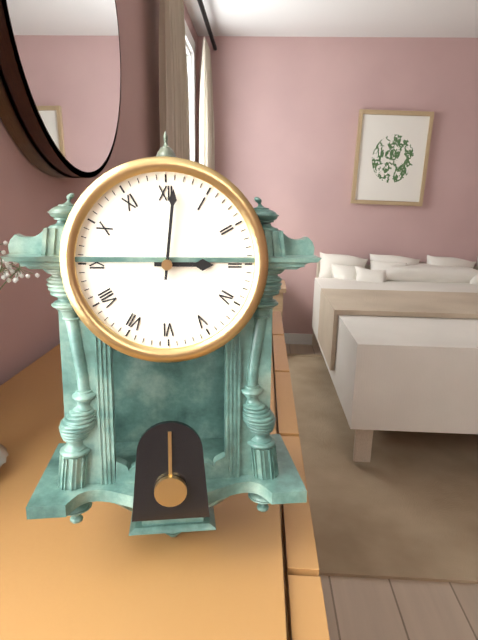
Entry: h=3 m=1
